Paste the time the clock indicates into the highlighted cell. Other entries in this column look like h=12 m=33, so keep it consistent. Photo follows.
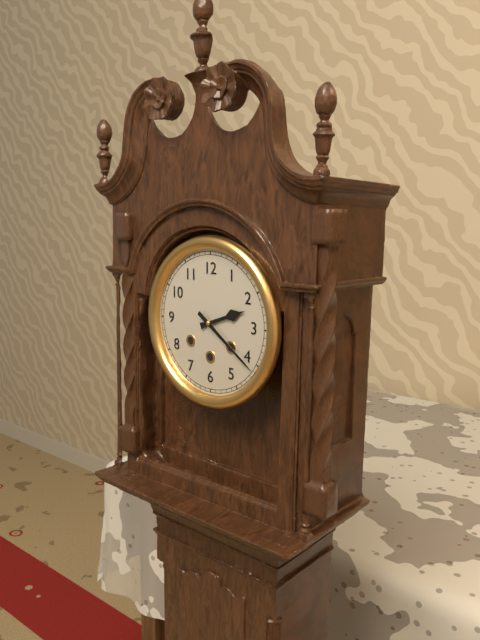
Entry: h=2 m=21
